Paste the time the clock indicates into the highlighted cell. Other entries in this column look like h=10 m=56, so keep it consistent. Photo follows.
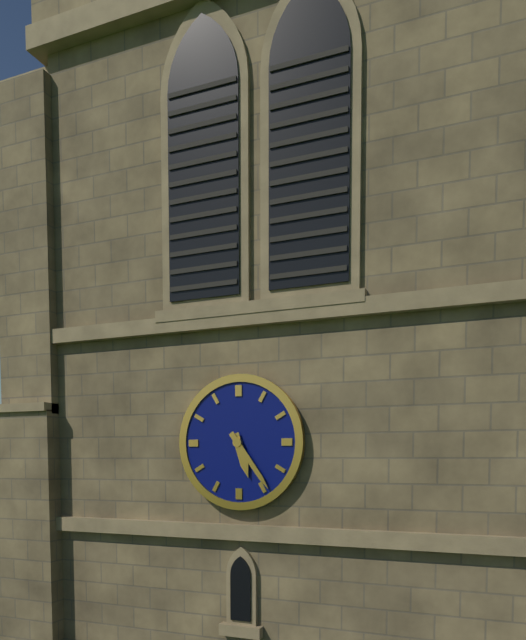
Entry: h=5 m=24
